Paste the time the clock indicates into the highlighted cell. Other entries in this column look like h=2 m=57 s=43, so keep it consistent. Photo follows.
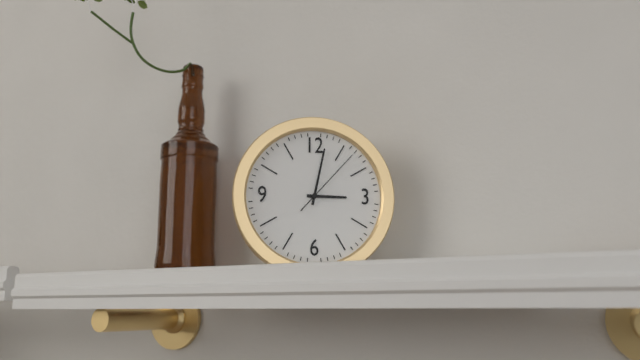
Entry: h=3 m=2 s=7
